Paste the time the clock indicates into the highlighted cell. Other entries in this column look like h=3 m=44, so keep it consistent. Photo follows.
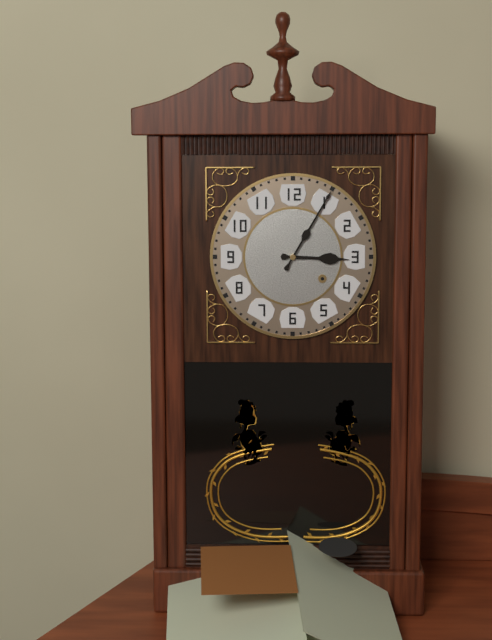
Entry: h=3 m=5
